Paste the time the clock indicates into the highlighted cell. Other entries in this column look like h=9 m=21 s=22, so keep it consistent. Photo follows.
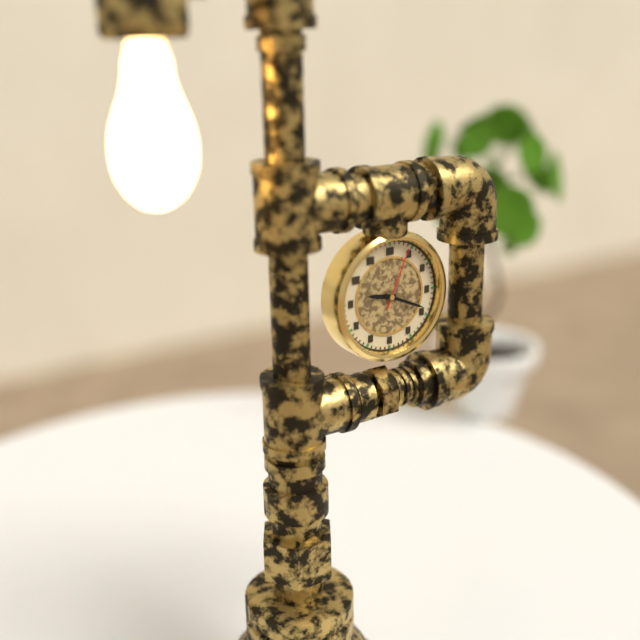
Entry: h=9 m=19 s=4
